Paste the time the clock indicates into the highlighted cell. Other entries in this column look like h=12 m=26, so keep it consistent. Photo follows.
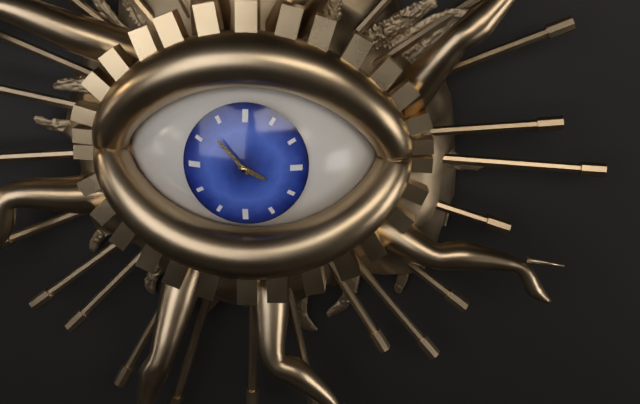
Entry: h=3 m=53
